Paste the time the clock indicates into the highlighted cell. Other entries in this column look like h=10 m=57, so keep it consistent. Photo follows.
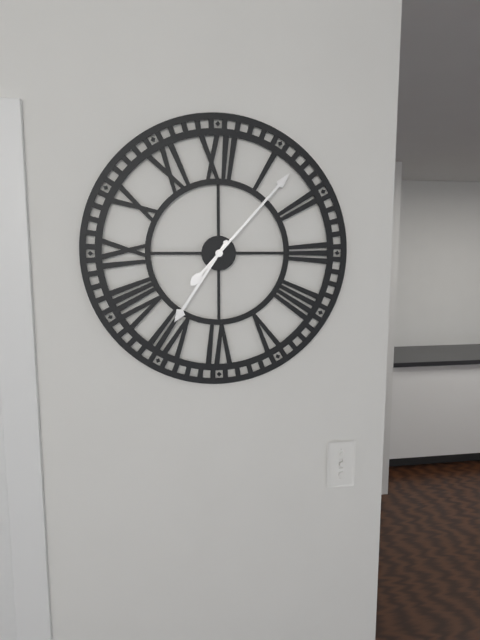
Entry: h=7 m=7
